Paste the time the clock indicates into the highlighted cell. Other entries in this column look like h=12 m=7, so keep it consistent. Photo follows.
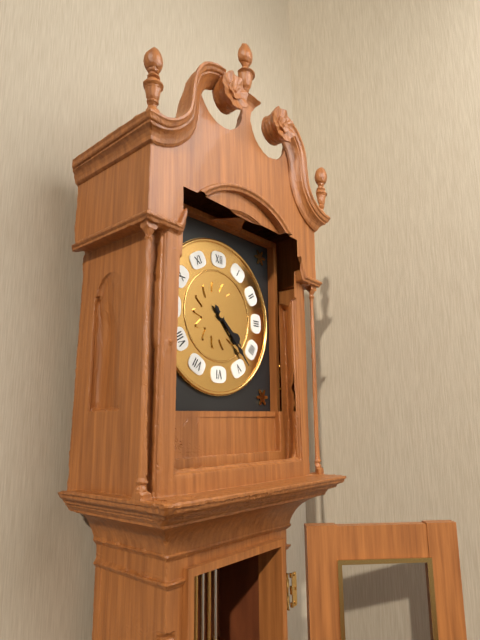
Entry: h=4 m=23
